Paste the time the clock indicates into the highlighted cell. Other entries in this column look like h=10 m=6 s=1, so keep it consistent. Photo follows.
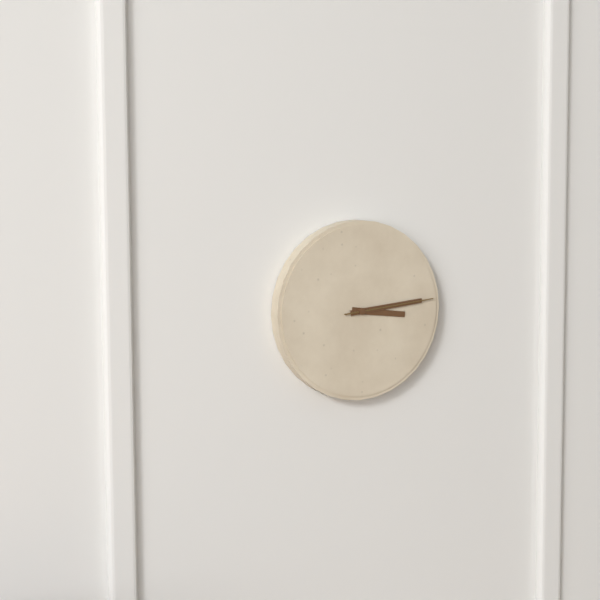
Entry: h=3 m=14 s=14
